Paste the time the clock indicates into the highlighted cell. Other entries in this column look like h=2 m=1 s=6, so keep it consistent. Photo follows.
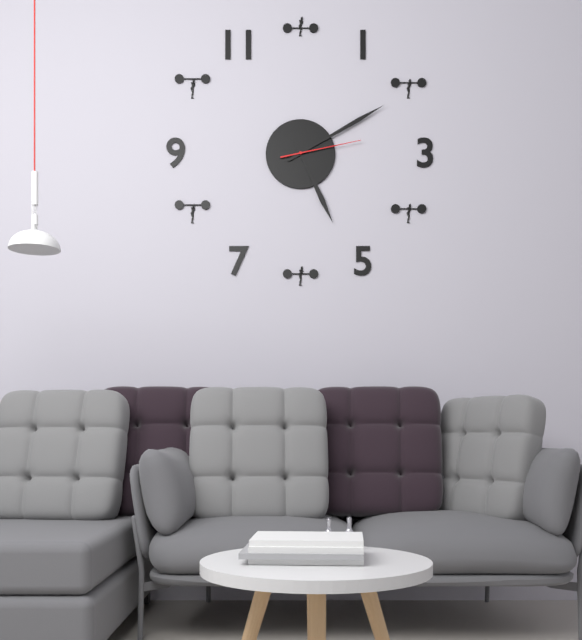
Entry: h=5 m=10 s=13
